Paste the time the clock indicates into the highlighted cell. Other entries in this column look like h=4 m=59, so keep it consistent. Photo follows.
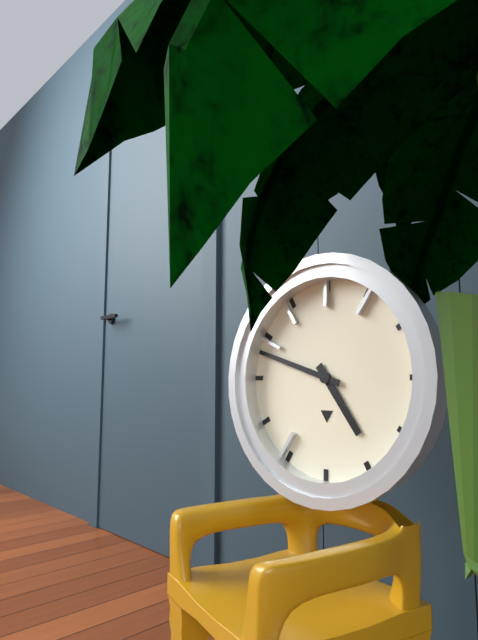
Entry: h=4 m=48
